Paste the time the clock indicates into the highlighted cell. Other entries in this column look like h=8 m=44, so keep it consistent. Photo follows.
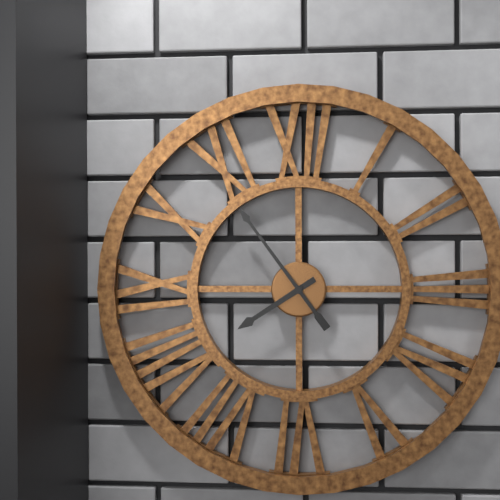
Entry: h=7 m=54
